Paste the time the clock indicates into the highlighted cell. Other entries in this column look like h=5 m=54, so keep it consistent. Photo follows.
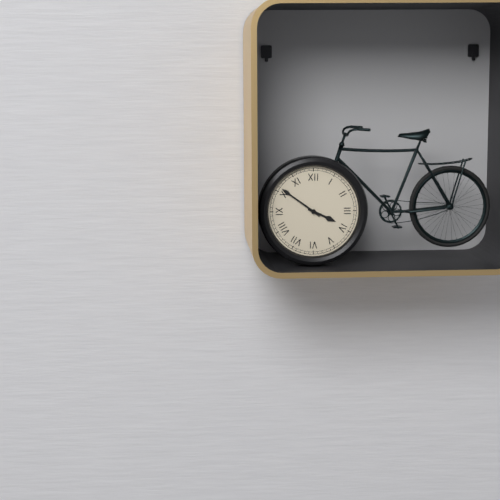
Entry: h=3 m=51
